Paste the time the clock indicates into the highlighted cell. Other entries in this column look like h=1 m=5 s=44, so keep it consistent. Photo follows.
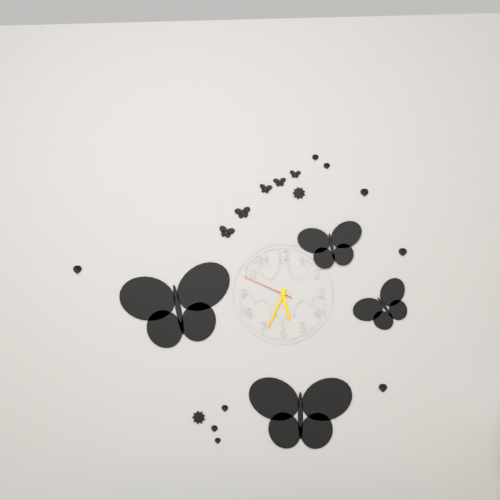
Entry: h=5 m=34 s=49
